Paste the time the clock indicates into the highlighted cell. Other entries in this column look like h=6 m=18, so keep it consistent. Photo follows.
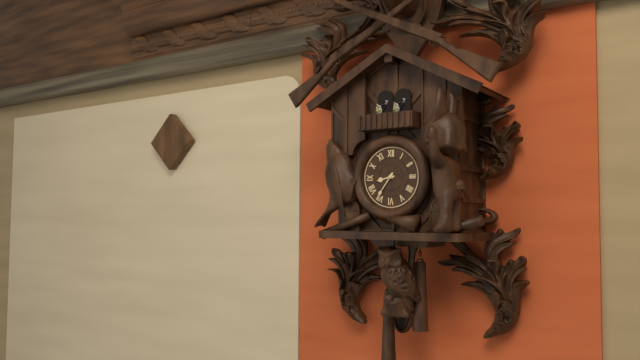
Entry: h=8 m=36
